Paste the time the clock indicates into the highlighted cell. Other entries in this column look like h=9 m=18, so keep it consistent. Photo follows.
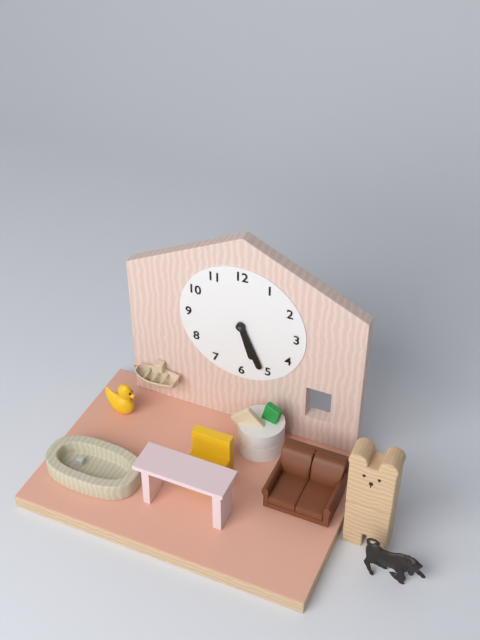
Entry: h=5 m=26
